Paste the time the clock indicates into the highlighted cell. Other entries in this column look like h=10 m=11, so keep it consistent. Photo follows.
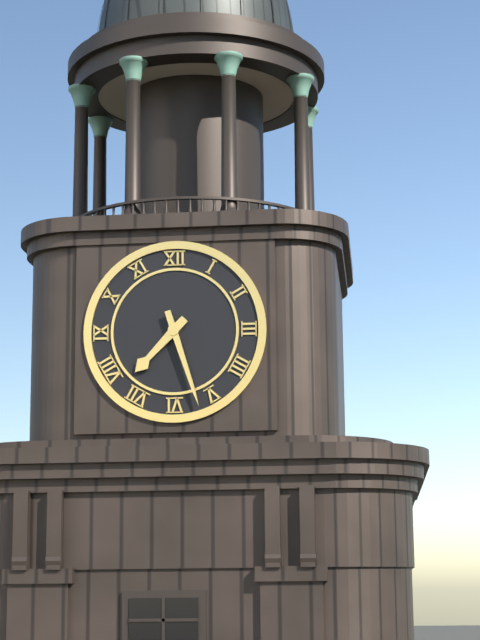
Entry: h=7 m=27
